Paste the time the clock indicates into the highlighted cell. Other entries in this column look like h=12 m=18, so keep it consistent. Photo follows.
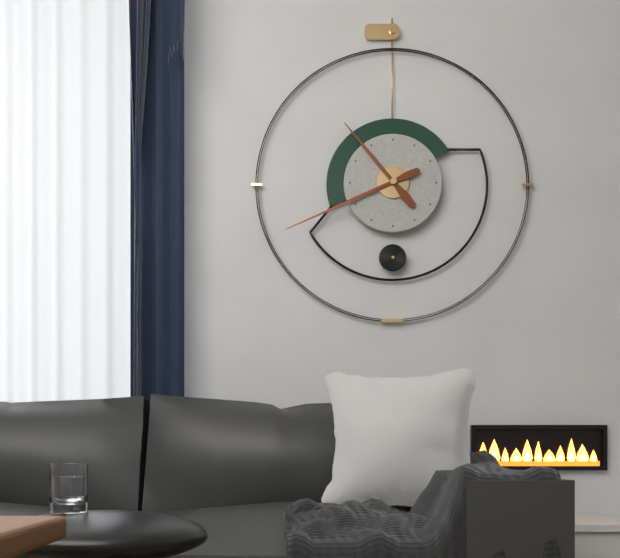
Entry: h=10 m=41
